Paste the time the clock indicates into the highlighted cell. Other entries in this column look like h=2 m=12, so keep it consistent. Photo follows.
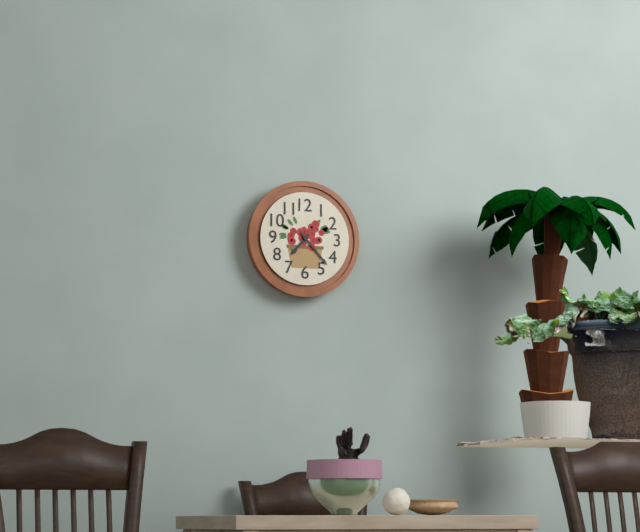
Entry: h=7 m=23
